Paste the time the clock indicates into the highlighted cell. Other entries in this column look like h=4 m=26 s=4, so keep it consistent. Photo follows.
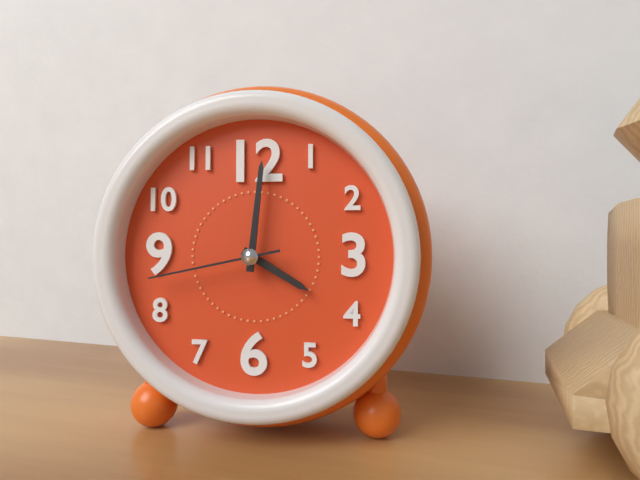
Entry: h=4 m=1 s=43
